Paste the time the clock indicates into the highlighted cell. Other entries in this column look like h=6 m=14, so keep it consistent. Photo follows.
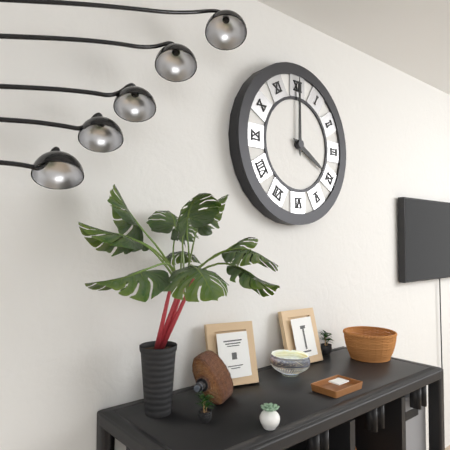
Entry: h=4 m=0
